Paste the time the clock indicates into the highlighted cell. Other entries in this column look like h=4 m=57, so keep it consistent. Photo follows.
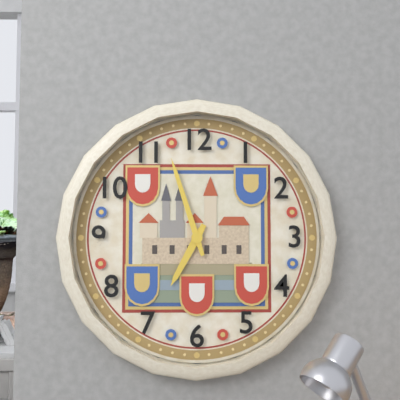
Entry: h=6 m=57
